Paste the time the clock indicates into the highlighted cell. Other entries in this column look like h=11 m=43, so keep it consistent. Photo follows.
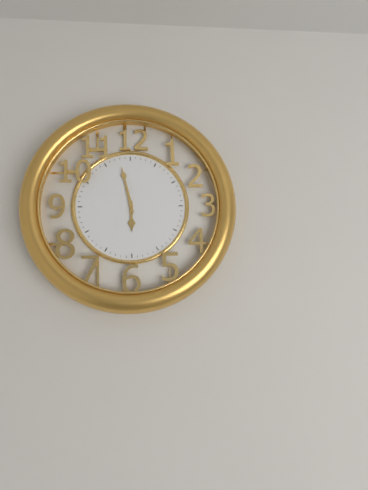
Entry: h=5 m=58
